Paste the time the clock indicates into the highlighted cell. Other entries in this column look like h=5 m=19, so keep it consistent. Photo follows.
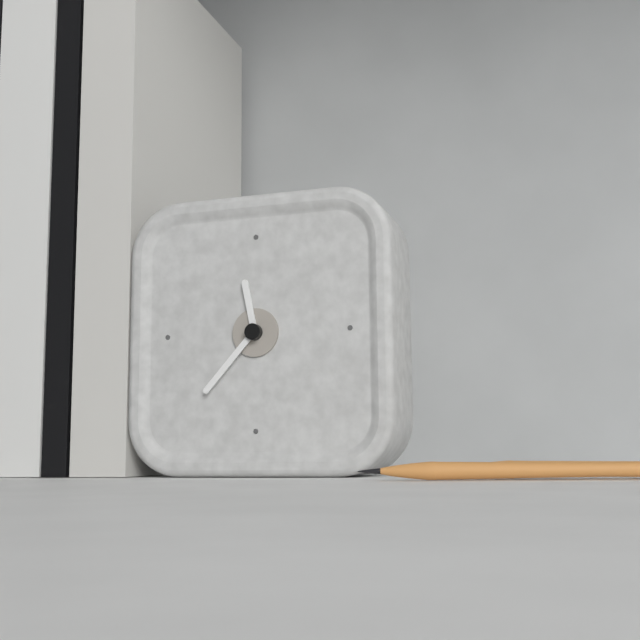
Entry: h=11 m=37
